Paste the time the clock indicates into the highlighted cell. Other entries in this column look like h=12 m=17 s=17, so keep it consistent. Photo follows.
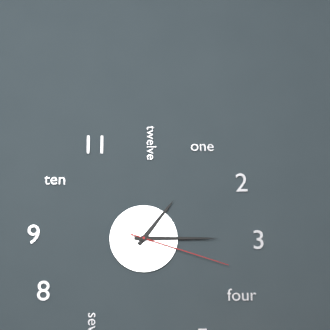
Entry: h=1 m=15 s=18
